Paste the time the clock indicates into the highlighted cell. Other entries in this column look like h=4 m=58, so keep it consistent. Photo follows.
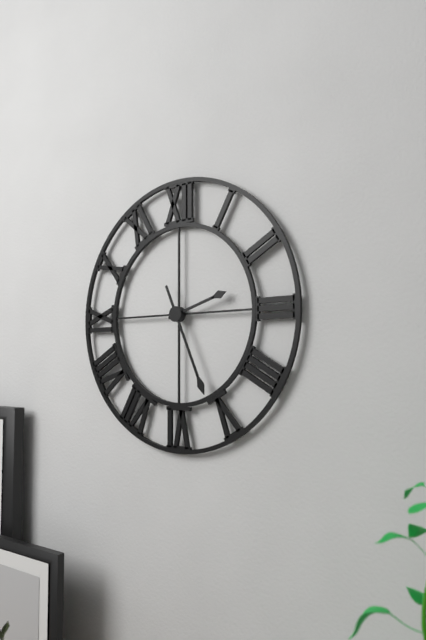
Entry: h=2 m=26
